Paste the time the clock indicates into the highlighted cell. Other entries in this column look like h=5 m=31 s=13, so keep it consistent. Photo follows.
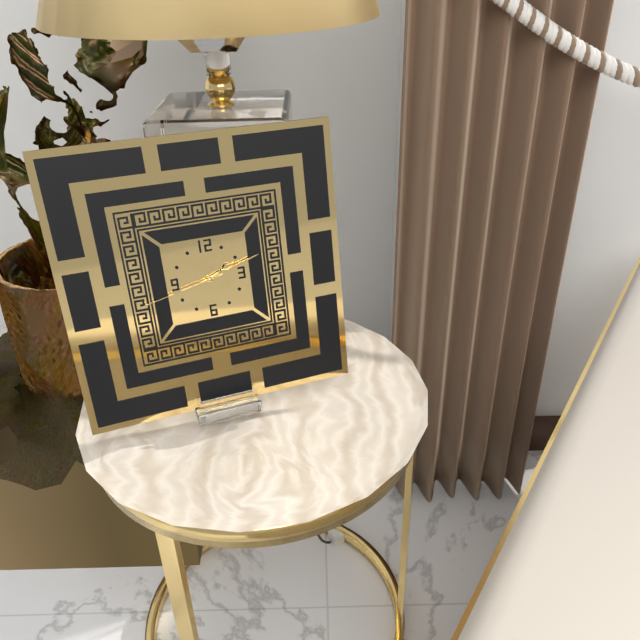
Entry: h=2 m=12 s=43
